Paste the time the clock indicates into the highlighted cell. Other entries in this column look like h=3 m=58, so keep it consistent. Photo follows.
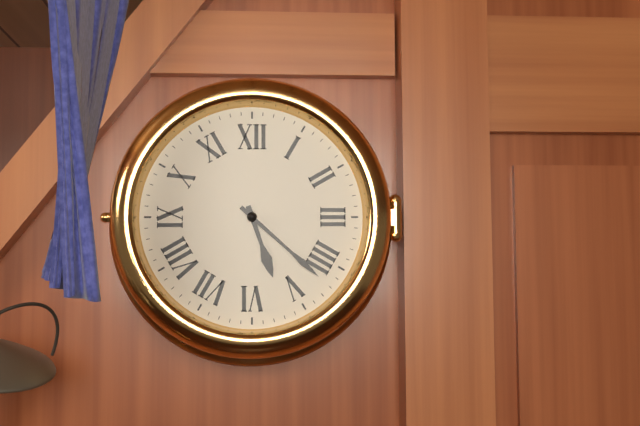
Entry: h=5 m=22
